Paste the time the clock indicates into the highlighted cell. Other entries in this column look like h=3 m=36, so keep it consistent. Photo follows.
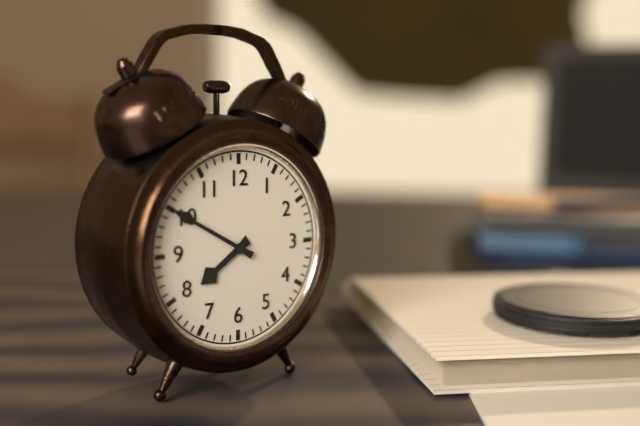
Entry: h=7 m=50
